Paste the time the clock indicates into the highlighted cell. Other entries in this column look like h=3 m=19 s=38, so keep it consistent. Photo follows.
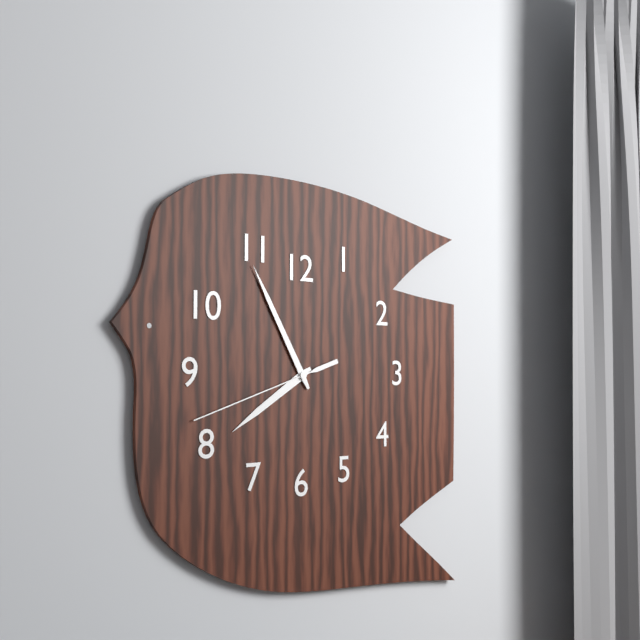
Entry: h=7 m=55 s=42
